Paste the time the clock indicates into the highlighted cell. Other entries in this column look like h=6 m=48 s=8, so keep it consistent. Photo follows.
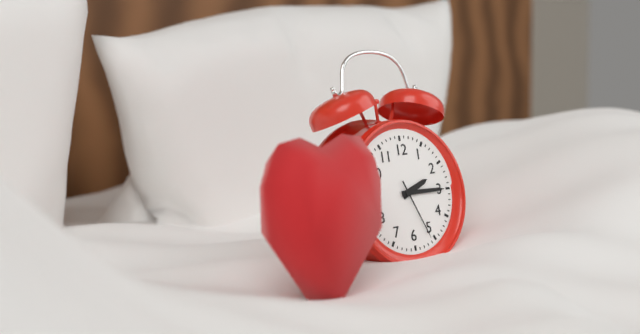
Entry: h=2 m=15 s=26
